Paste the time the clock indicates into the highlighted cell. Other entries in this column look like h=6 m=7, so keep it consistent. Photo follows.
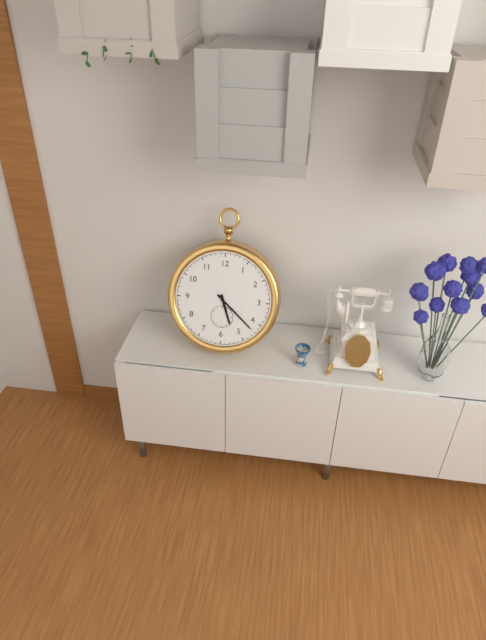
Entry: h=5 m=22
